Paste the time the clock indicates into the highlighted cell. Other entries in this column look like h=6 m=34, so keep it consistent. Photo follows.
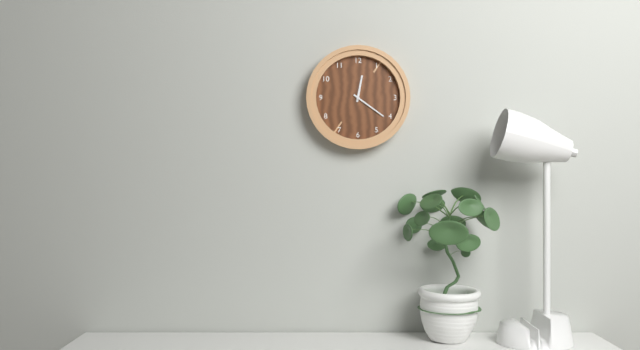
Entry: h=12 m=21
